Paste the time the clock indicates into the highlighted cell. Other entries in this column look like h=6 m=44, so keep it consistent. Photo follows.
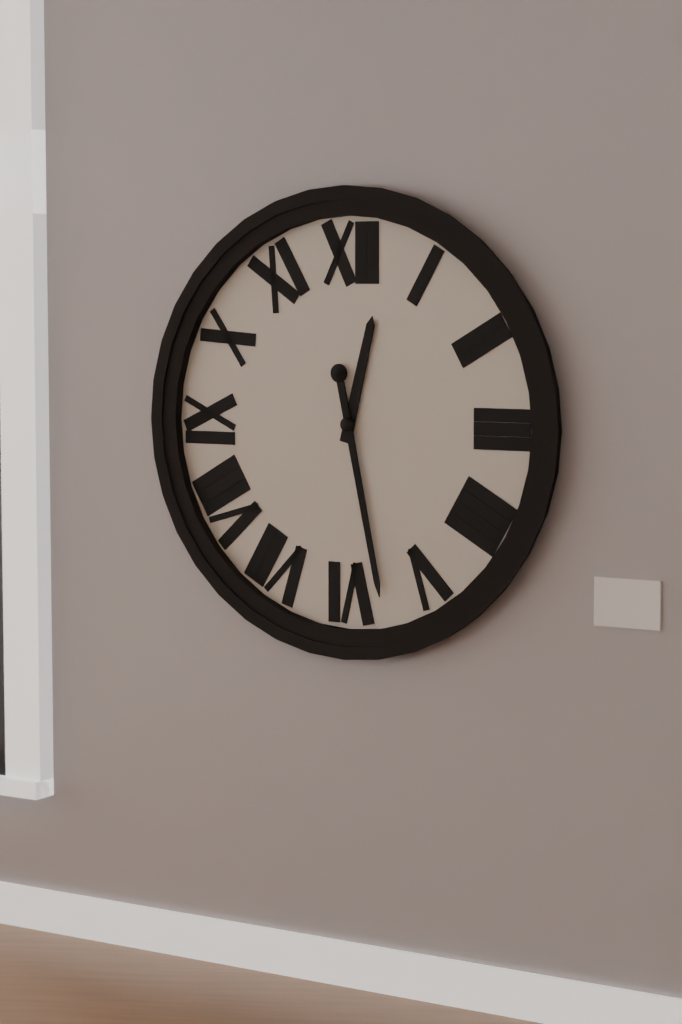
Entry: h=12 m=28
